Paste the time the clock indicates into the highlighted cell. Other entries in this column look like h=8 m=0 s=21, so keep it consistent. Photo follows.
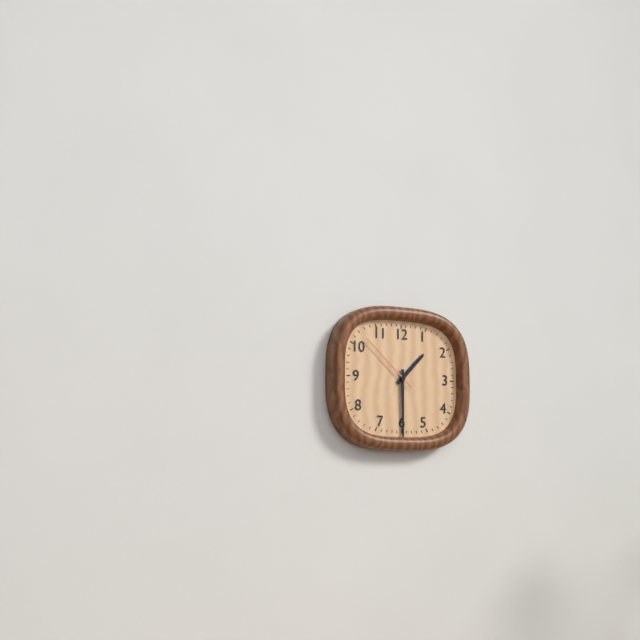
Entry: h=1 m=30 s=52
